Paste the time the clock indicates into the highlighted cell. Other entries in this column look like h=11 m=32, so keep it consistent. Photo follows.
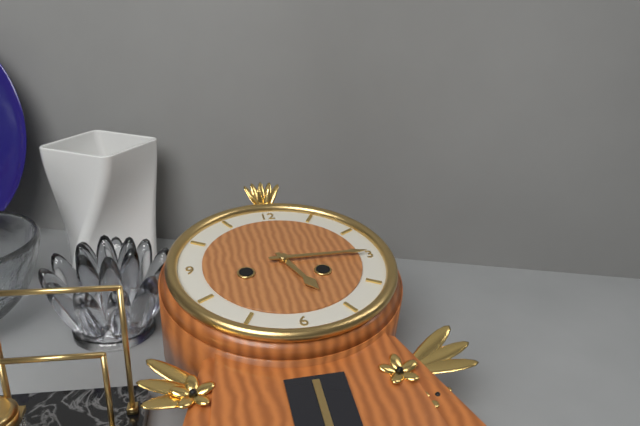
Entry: h=5 m=15
